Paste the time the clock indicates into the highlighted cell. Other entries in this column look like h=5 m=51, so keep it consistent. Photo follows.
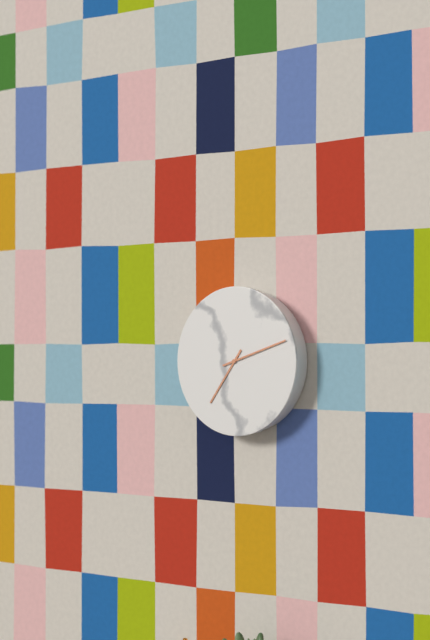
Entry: h=7 m=12
